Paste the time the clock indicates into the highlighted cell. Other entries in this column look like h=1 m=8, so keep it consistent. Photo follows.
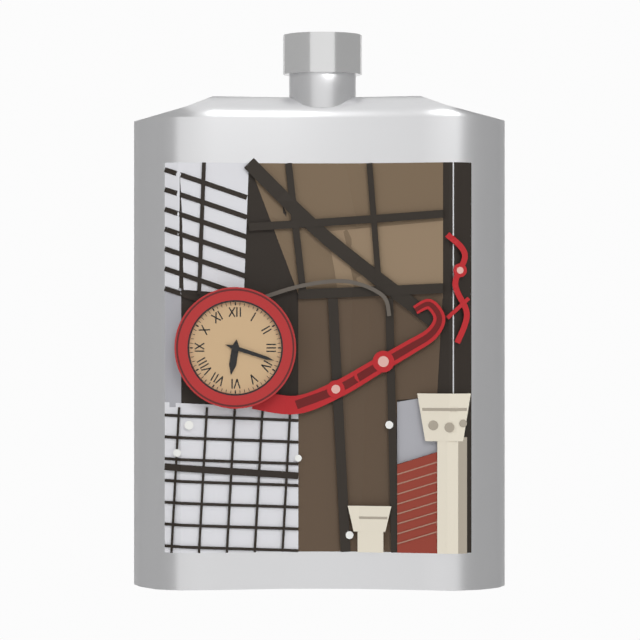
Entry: h=6 m=18
